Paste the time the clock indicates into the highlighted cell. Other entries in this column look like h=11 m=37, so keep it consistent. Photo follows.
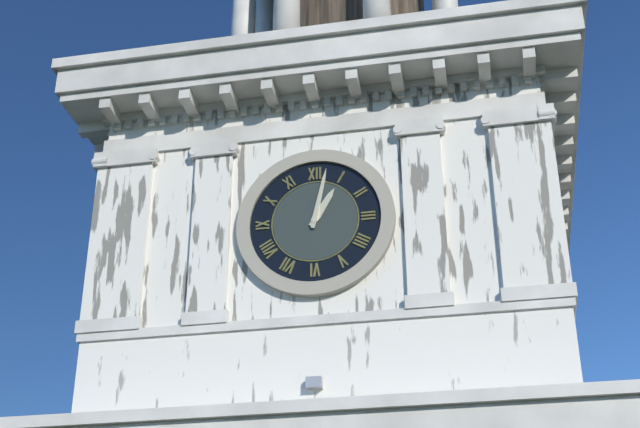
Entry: h=1 m=2
